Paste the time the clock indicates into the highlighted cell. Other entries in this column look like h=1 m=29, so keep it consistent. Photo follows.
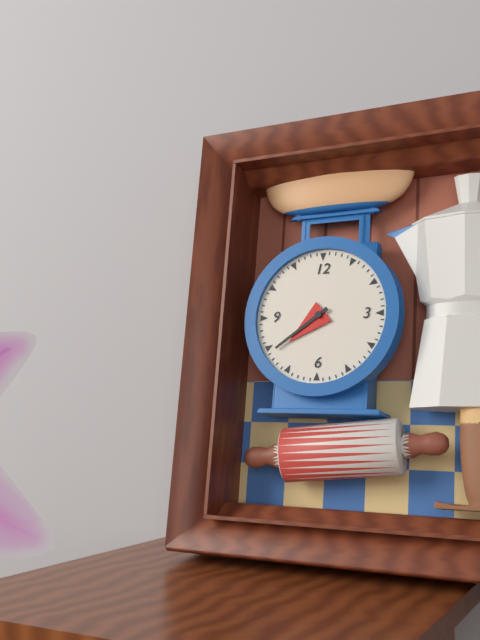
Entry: h=7 m=39
